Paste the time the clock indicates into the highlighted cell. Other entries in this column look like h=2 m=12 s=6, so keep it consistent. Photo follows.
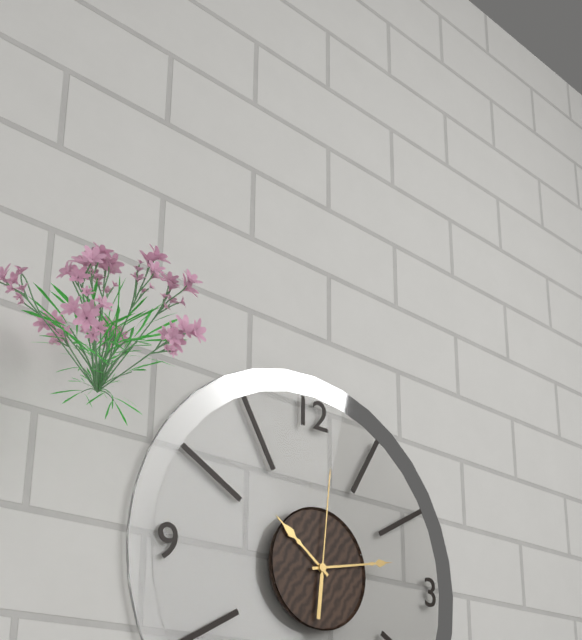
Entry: h=10 m=13 s=1
